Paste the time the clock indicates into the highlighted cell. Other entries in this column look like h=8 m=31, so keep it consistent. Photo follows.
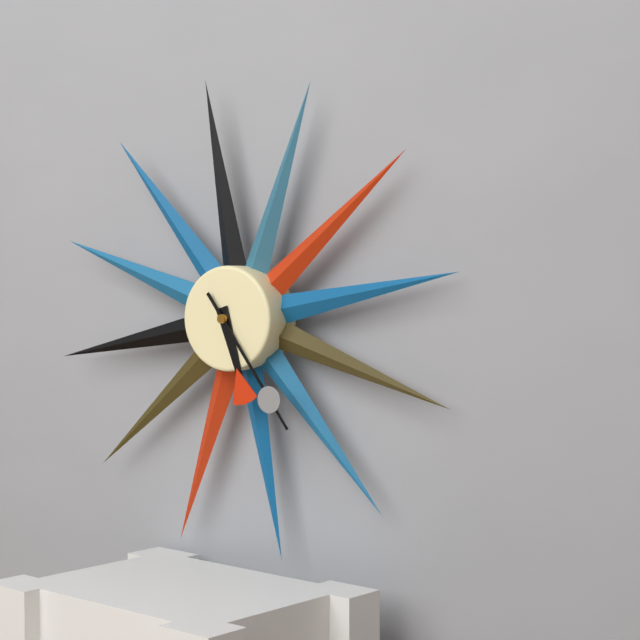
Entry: h=5 m=24
